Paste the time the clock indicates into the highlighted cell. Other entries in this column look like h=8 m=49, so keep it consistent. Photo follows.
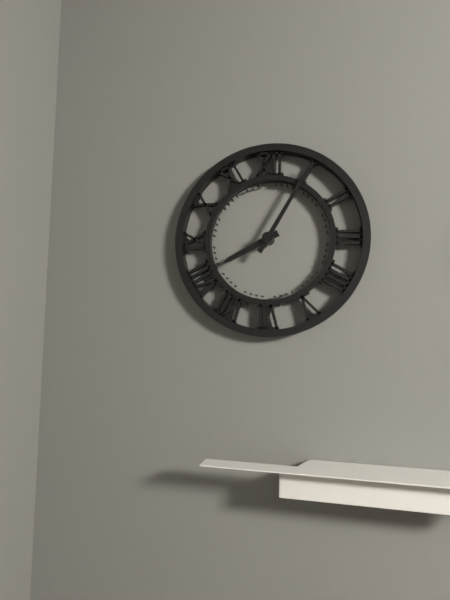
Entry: h=8 m=5
